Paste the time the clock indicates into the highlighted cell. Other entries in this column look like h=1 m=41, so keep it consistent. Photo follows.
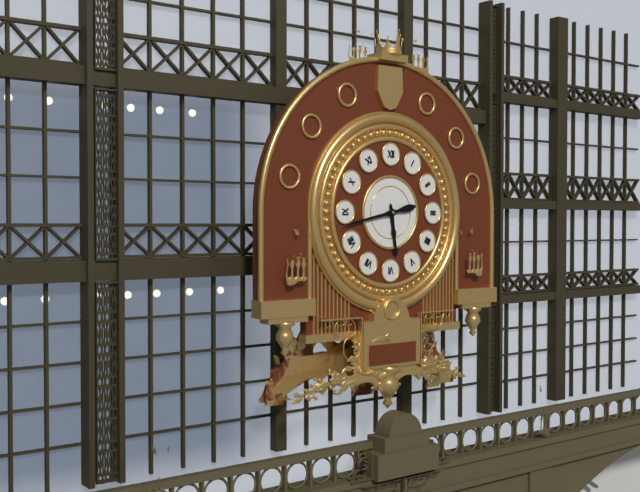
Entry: h=5 m=43
